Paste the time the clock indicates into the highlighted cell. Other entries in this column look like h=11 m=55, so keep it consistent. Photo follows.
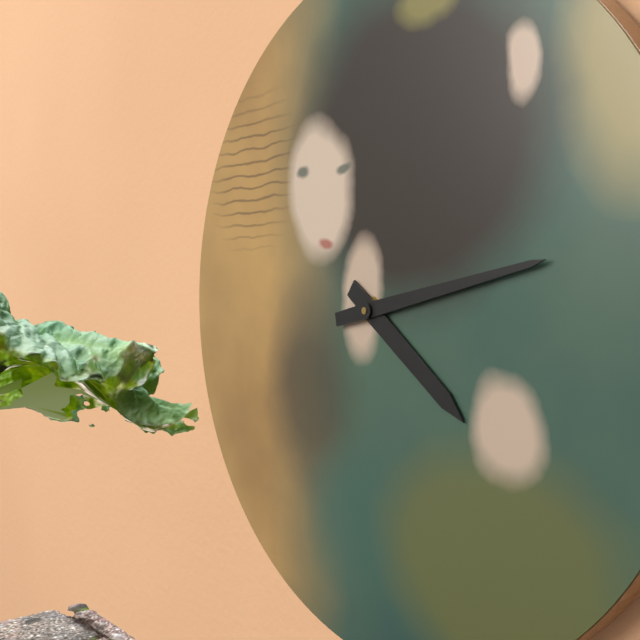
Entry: h=4 m=13
